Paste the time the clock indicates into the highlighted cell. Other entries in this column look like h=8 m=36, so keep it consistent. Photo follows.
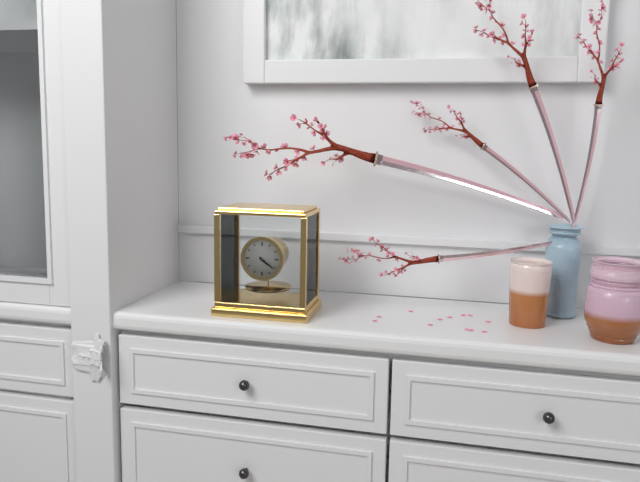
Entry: h=4 m=21
